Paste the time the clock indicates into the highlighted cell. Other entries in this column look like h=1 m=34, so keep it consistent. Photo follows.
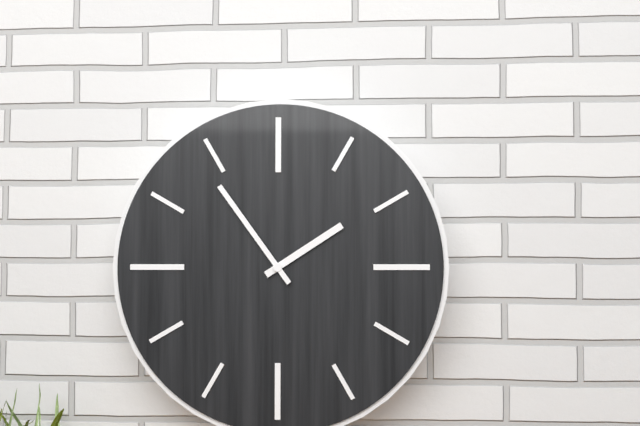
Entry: h=1 m=54
